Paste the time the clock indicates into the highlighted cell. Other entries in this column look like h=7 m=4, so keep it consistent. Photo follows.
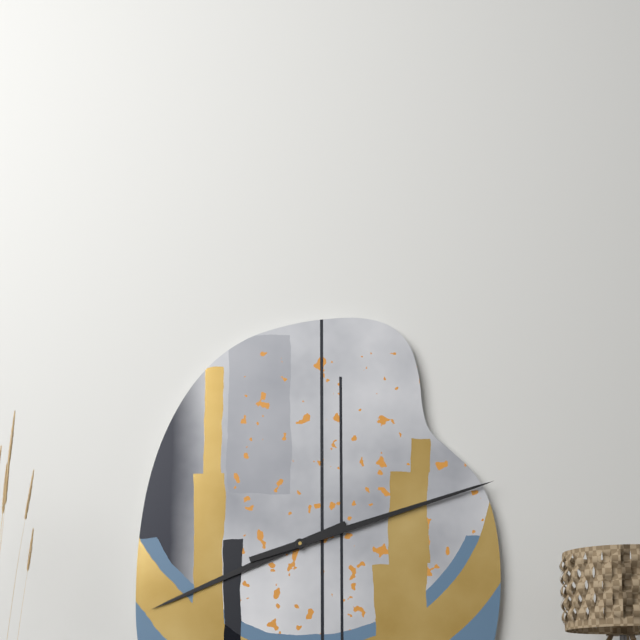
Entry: h=8 m=12
